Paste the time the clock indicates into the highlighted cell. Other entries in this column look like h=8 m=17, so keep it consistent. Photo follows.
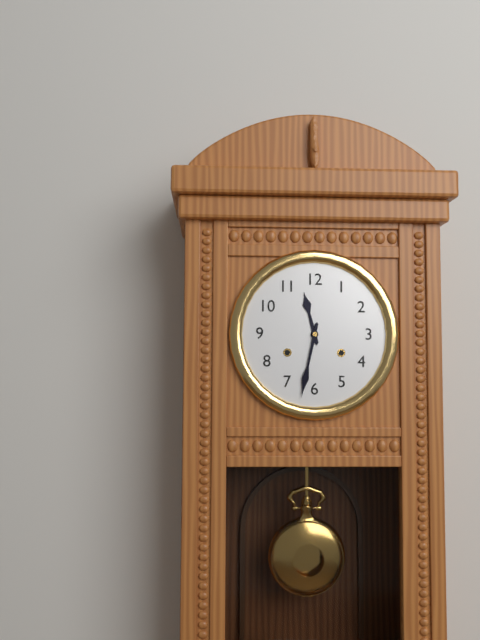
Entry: h=11 m=32
